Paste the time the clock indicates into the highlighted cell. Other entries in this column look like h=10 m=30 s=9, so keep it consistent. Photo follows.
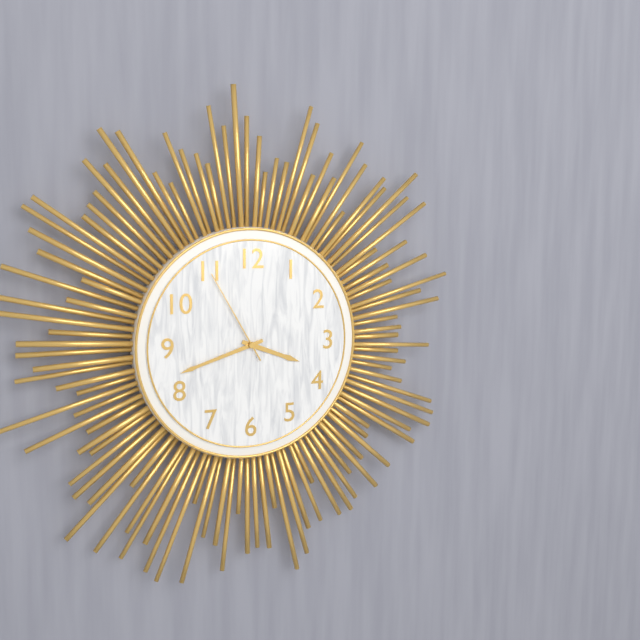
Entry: h=3 m=42 s=55
